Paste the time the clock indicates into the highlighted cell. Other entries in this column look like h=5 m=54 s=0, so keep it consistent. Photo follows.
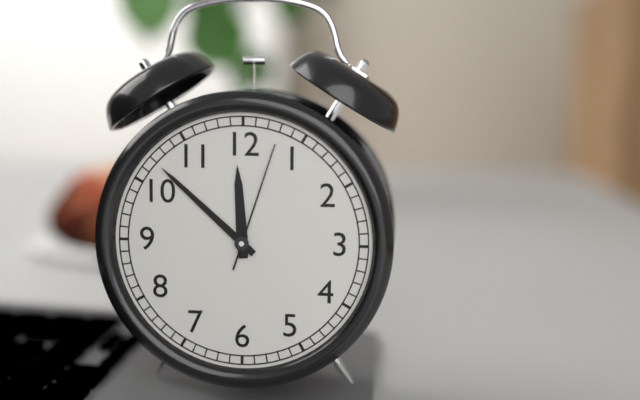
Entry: h=11 m=52 s=3
